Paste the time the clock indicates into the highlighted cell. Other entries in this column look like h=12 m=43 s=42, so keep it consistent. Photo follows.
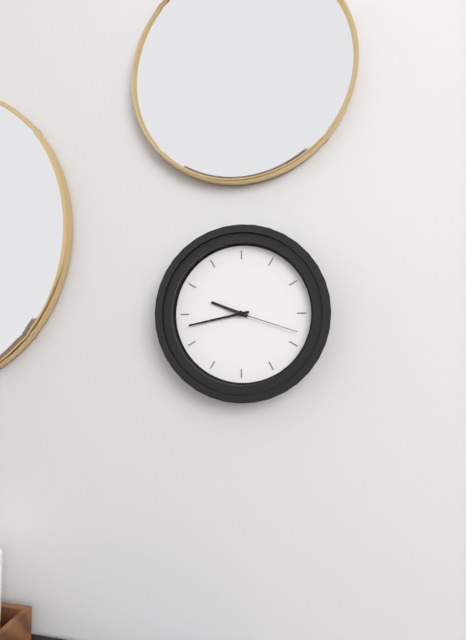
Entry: h=9 m=43 s=18
